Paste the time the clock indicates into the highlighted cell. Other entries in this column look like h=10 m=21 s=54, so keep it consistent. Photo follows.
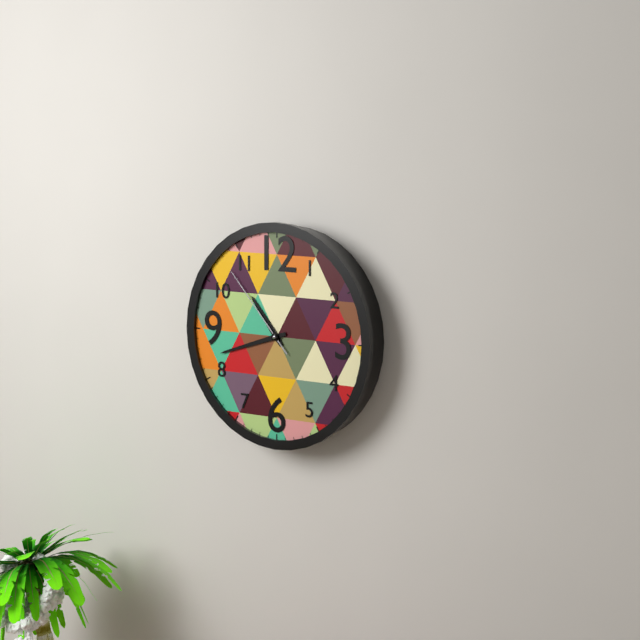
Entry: h=10 m=42 s=53
